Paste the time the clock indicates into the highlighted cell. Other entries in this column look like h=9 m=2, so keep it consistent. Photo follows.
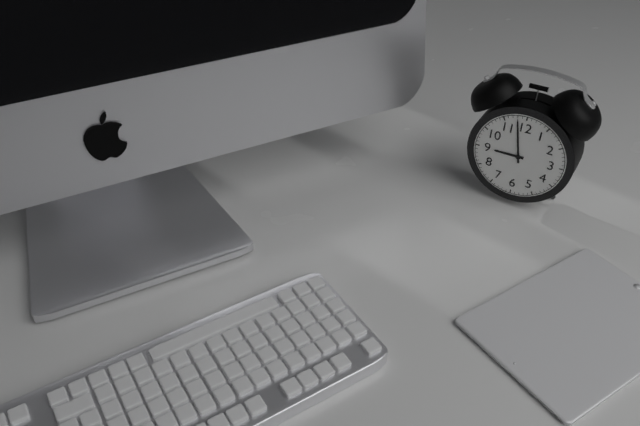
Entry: h=8 m=58
